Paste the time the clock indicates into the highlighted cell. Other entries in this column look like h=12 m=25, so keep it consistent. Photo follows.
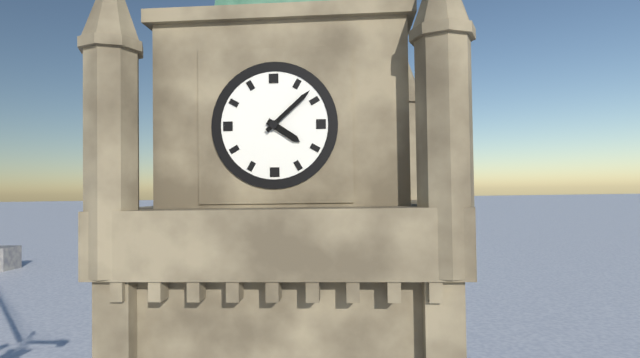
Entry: h=4 m=8
